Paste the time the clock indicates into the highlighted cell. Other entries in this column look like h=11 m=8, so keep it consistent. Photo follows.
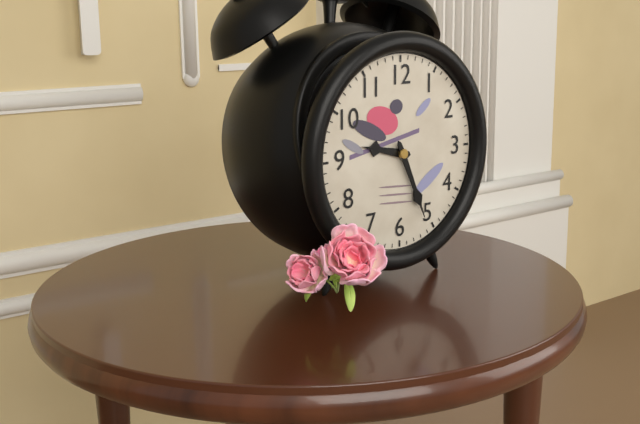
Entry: h=9 m=26
